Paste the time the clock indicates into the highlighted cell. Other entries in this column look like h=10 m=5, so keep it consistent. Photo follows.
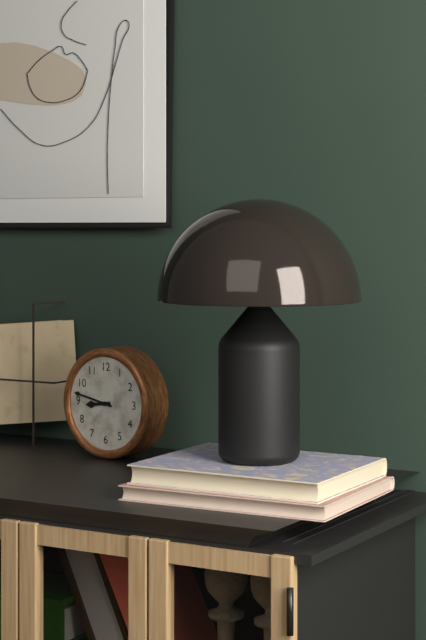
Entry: h=8 m=47
